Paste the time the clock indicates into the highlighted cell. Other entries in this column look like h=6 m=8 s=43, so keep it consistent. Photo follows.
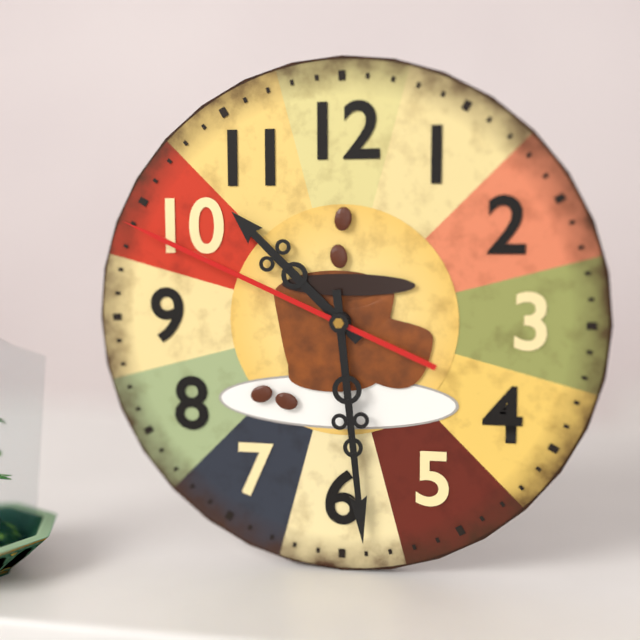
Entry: h=10 m=29 s=49
